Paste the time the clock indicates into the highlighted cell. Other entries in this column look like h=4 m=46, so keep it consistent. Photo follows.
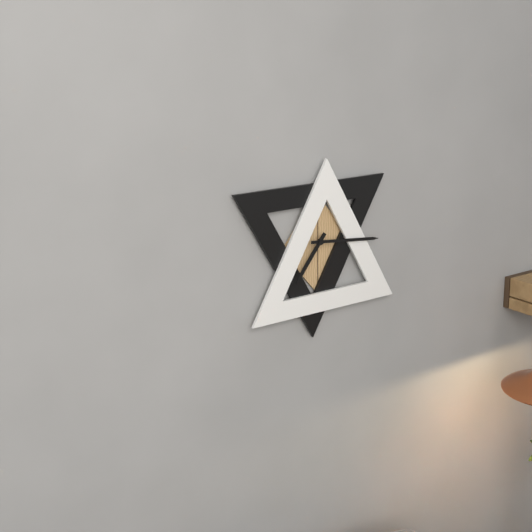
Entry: h=7 m=16
